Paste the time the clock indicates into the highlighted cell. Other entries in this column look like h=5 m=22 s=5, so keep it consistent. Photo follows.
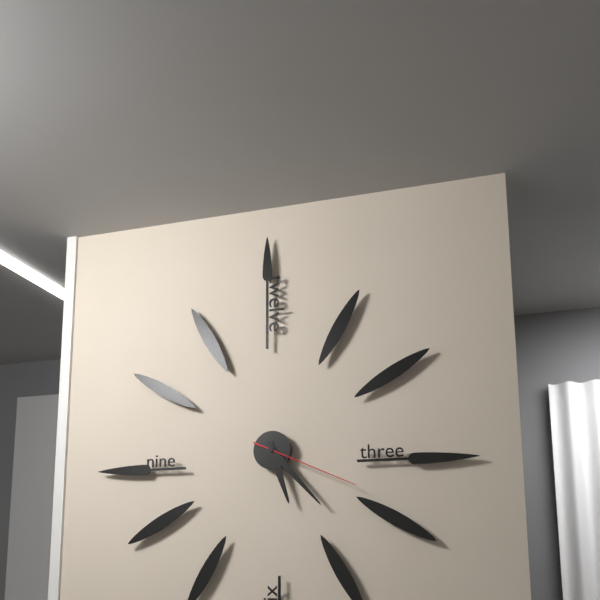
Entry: h=5 m=23 s=19
